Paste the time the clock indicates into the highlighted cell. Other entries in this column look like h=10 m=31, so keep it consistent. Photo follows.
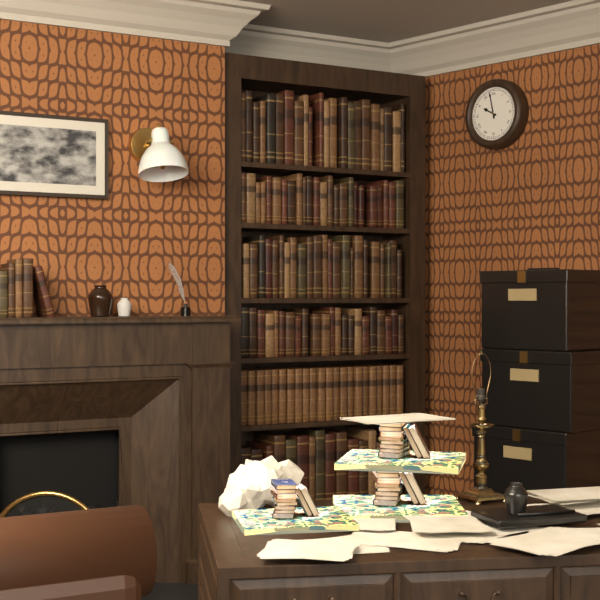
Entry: h=9 m=58
